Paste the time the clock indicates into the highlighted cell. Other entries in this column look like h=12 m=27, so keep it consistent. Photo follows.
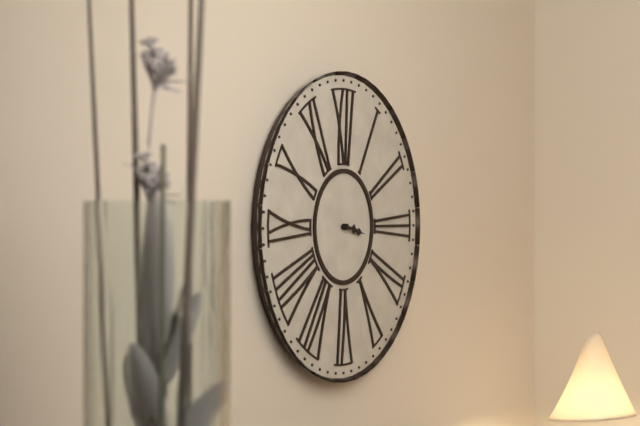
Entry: h=3 m=17
